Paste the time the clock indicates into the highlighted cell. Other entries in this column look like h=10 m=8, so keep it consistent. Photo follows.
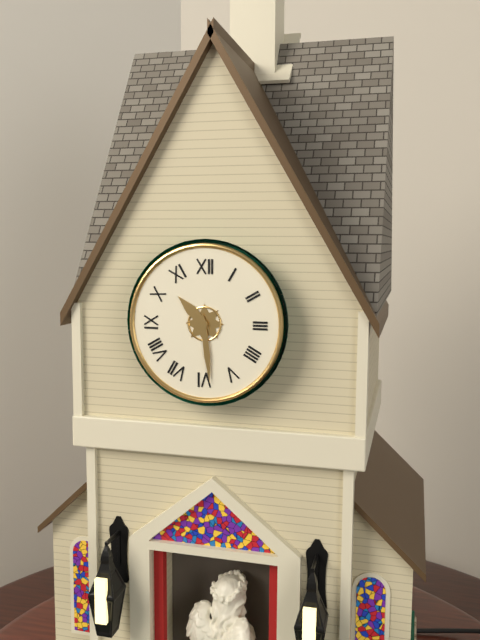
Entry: h=10 m=29
